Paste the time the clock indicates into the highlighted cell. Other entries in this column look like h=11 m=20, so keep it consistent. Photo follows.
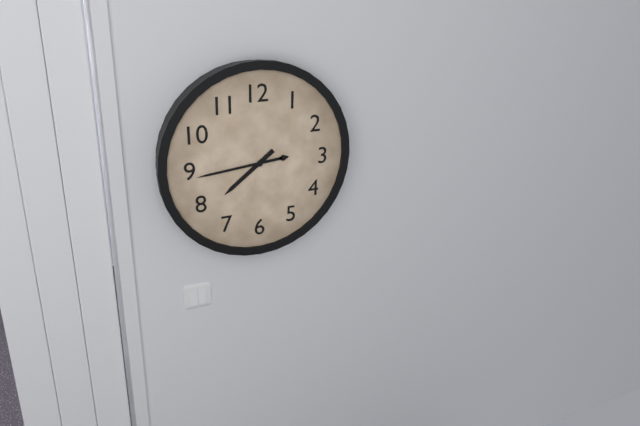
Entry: h=7 m=44
